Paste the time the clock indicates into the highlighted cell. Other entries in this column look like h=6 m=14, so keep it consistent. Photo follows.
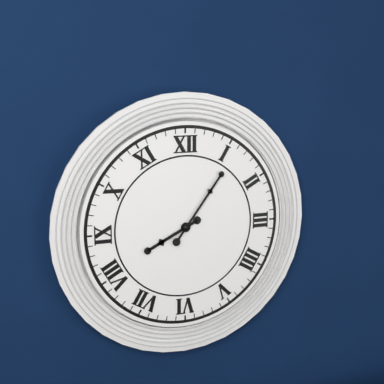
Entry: h=8 m=6
